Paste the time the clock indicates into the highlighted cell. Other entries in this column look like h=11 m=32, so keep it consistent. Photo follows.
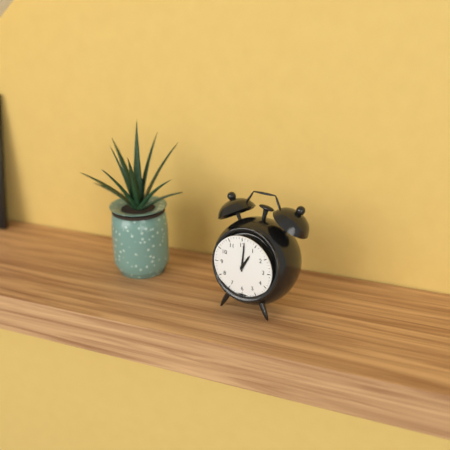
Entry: h=1 m=1
